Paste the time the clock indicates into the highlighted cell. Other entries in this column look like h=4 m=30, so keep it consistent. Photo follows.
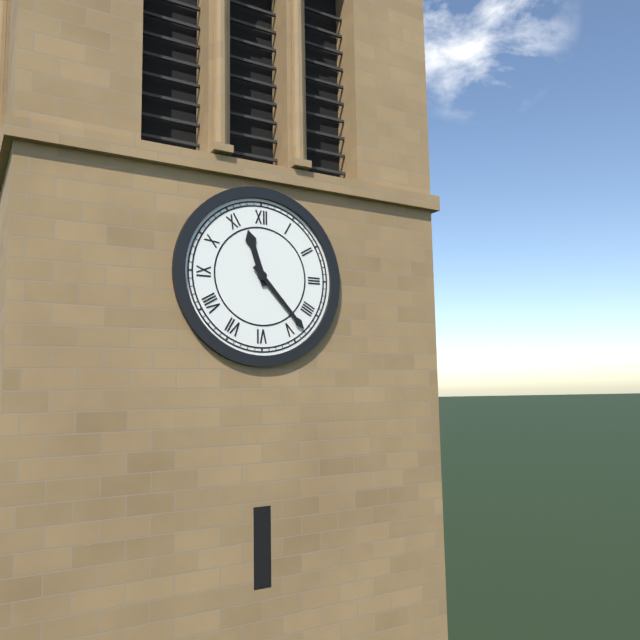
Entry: h=11 m=23
